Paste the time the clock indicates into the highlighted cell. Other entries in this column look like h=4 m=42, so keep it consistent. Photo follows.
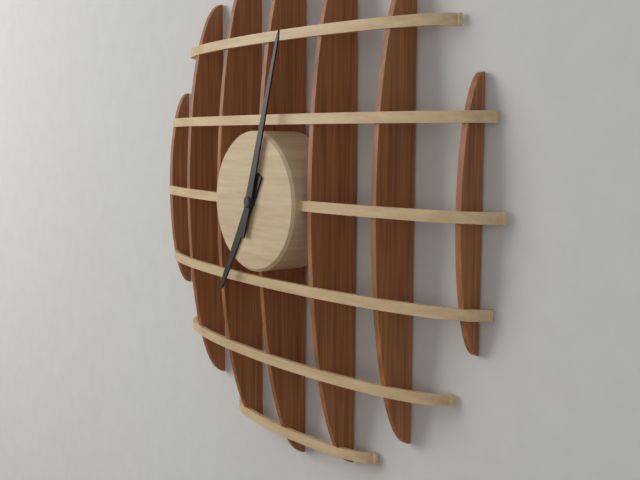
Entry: h=7 m=3
